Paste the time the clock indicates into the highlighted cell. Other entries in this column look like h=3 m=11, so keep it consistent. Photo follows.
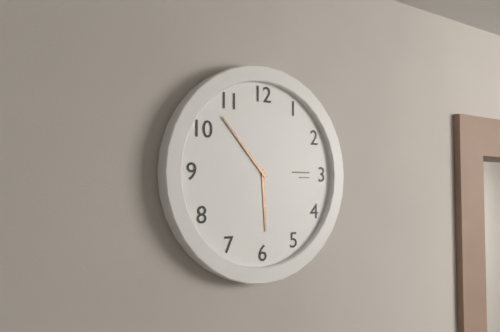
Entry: h=5 m=53
